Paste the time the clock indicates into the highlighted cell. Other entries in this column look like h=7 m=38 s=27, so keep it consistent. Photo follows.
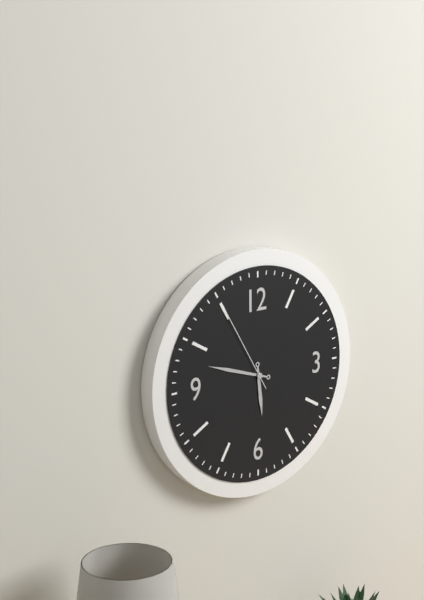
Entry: h=5 m=48 s=55
